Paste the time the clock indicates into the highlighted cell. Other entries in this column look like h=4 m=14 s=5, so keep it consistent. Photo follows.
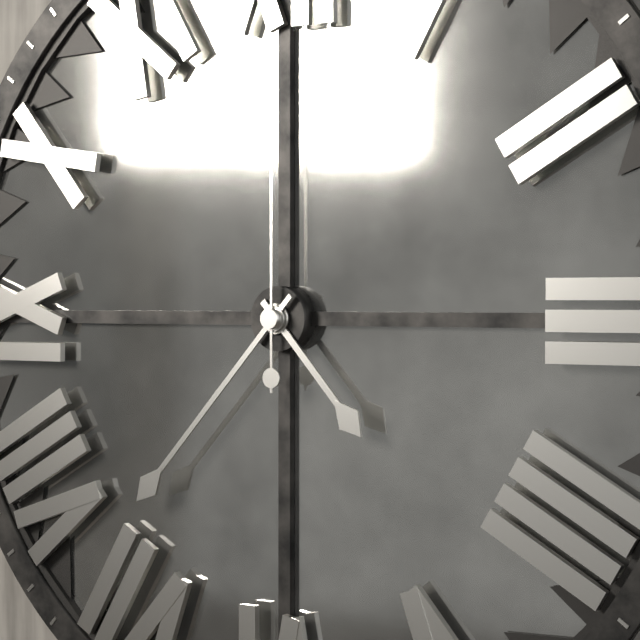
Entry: h=4 m=37 s=0
